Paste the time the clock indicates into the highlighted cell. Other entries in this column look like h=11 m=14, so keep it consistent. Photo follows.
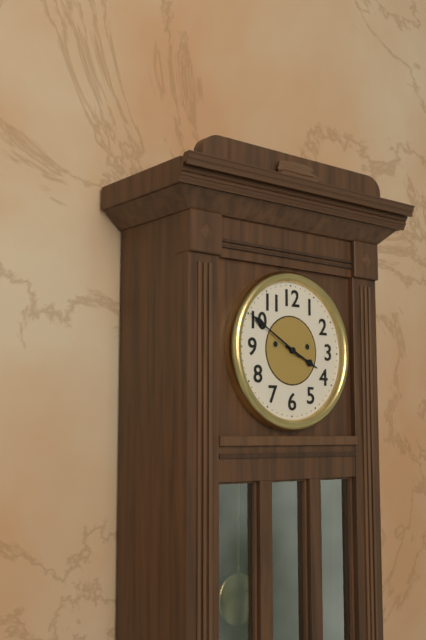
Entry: h=3 m=50
